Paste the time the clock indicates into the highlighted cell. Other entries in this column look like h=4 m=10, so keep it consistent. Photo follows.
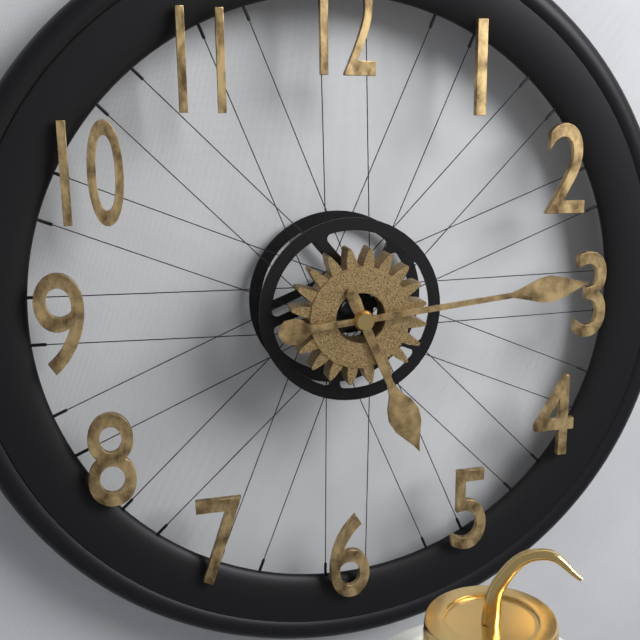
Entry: h=5 m=14
